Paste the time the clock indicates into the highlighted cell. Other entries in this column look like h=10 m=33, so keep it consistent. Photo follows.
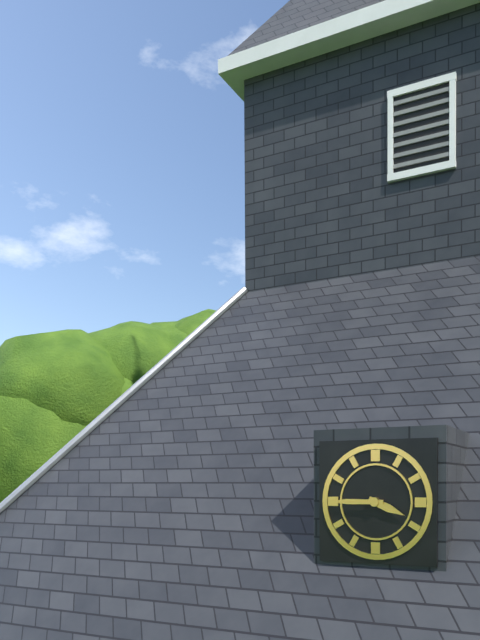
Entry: h=3 m=45
